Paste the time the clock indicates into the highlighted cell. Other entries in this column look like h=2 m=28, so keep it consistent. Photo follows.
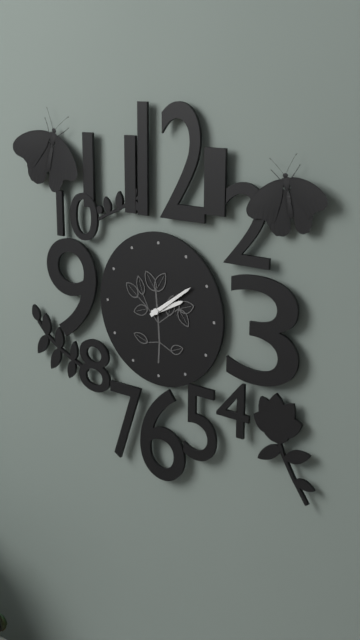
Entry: h=2 m=9
